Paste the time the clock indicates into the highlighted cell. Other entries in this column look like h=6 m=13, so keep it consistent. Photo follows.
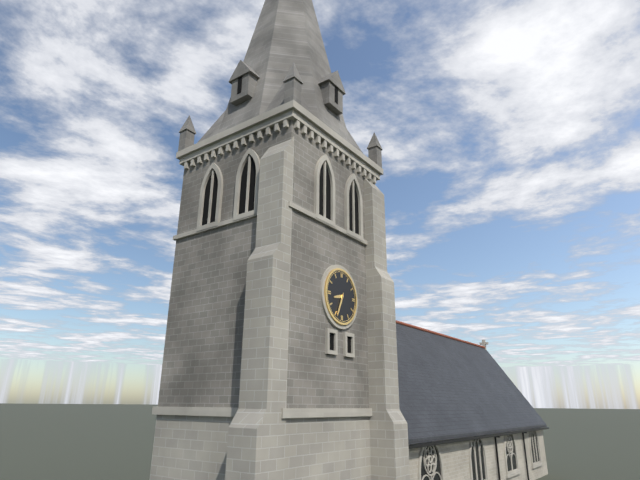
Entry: h=8 m=34
